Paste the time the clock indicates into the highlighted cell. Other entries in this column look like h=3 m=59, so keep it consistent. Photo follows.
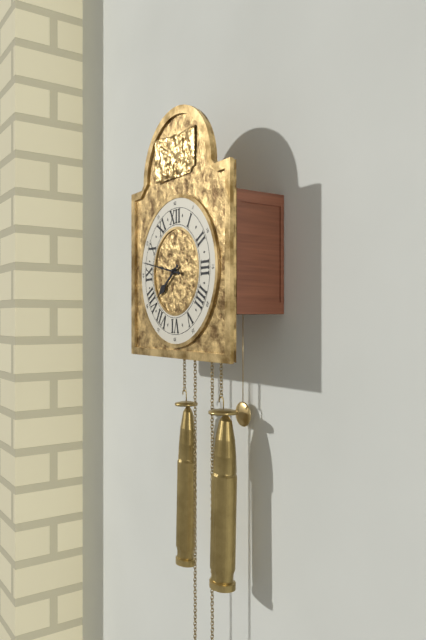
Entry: h=7 m=47
